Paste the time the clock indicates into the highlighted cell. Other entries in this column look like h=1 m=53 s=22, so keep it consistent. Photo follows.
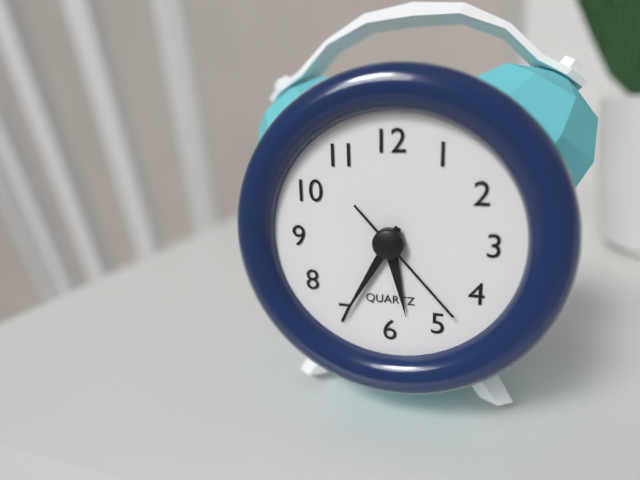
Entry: h=5 m=35 s=23
